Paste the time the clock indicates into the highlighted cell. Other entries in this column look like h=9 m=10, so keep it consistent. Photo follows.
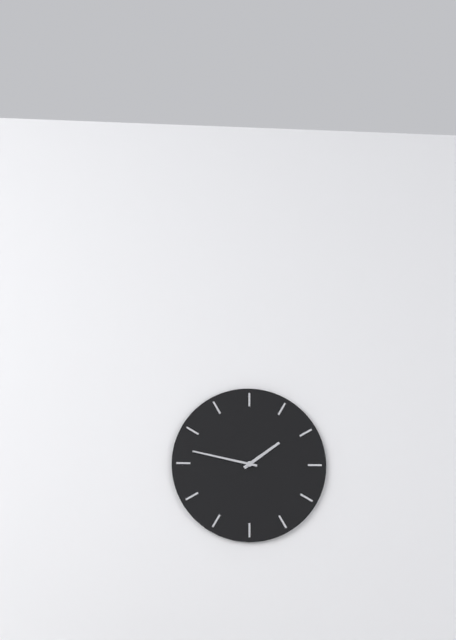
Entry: h=1 m=47
